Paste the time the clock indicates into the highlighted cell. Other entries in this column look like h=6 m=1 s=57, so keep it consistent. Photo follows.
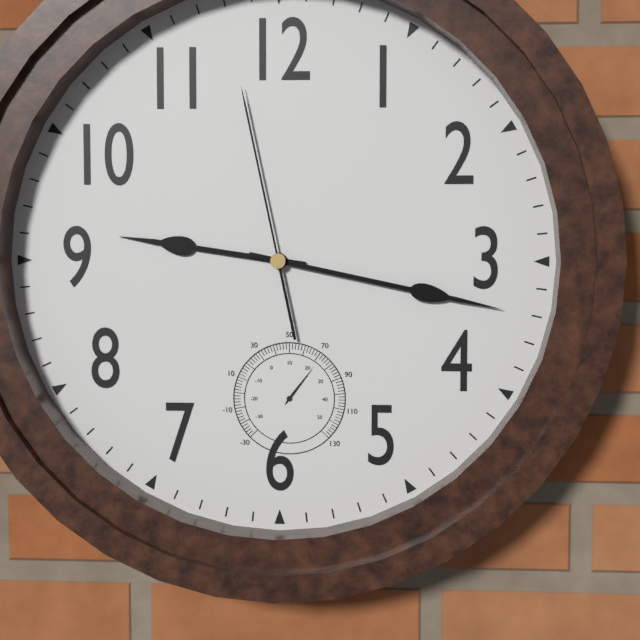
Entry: h=9 m=17 s=58
